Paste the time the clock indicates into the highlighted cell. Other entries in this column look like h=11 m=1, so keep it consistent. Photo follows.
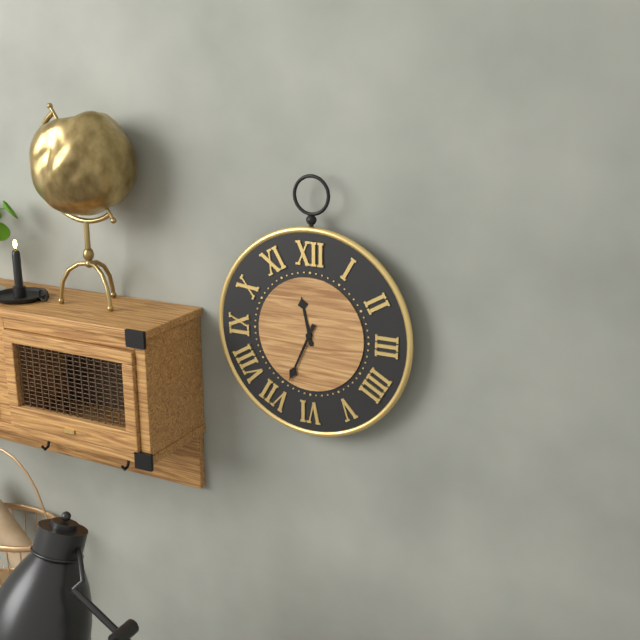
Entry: h=11 m=34
